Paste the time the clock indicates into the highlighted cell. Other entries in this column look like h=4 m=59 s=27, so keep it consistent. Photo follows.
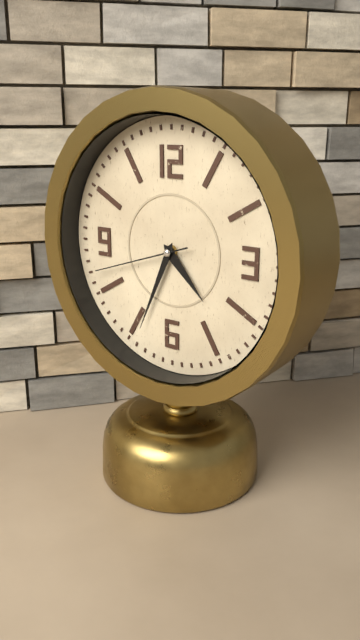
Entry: h=4 m=34 s=42
